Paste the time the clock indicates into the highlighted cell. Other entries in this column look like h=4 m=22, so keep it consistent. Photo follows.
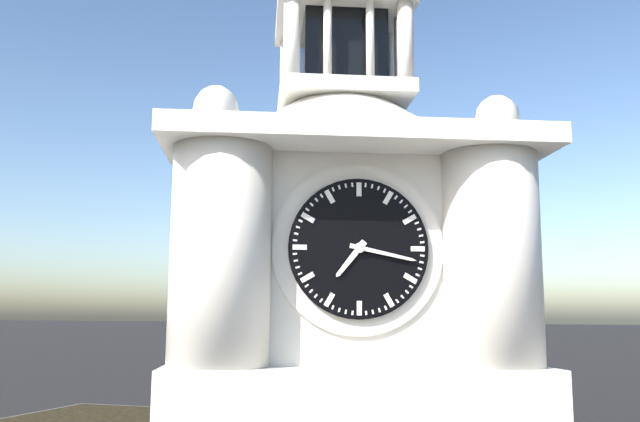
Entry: h=7 m=17
